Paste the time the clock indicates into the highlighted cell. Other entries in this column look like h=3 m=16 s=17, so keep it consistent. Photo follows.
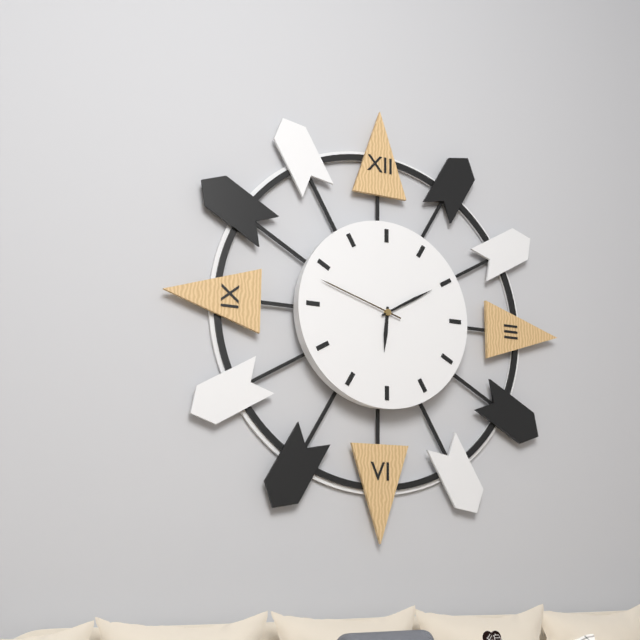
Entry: h=6 m=10 s=48
